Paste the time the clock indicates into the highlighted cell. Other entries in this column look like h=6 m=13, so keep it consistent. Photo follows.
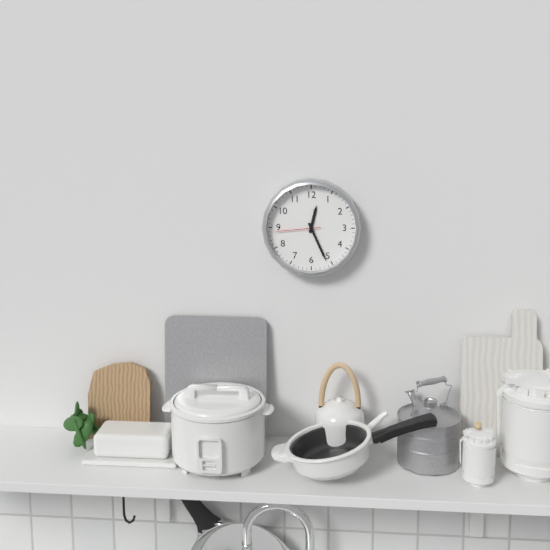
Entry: h=12 m=26
